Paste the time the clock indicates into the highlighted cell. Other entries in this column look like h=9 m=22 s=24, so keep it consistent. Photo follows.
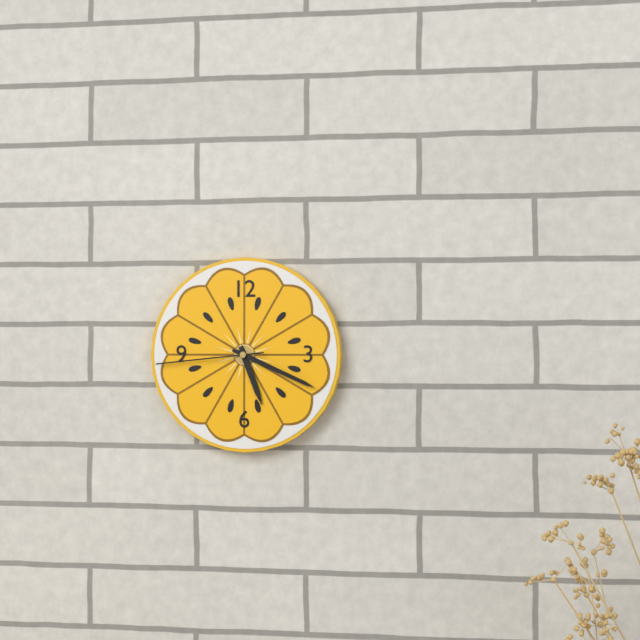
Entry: h=5 m=19 s=44
